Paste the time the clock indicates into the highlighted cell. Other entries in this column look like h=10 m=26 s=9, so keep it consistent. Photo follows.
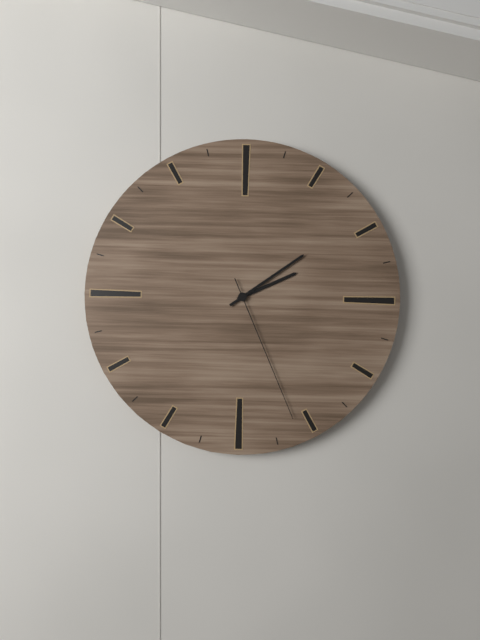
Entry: h=2 m=9 s=26
